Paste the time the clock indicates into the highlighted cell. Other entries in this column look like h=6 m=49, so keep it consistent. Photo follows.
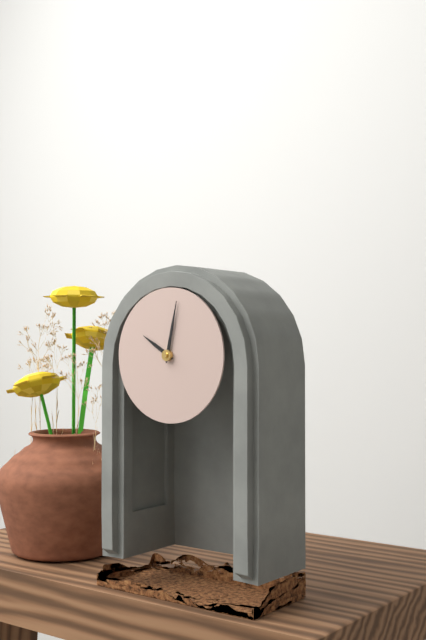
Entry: h=10 m=2
